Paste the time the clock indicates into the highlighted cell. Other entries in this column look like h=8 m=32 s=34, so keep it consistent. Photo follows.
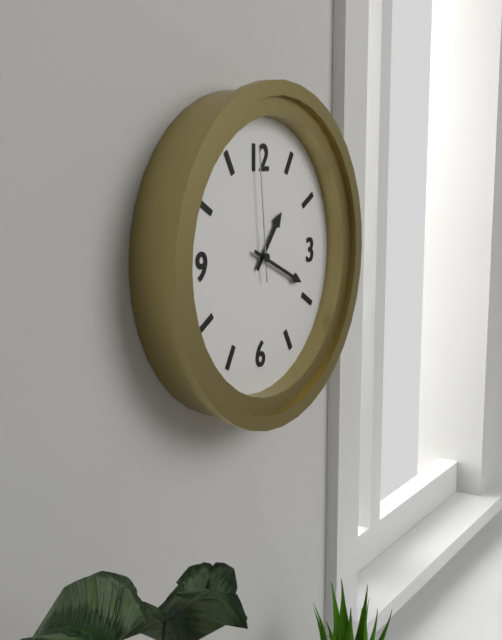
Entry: h=1 m=19 s=59
